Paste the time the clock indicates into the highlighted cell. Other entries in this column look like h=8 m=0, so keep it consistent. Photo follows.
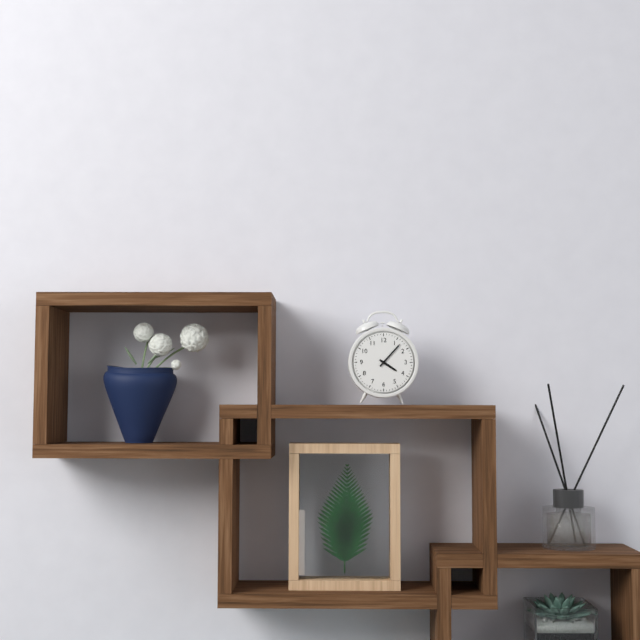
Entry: h=4 m=7
